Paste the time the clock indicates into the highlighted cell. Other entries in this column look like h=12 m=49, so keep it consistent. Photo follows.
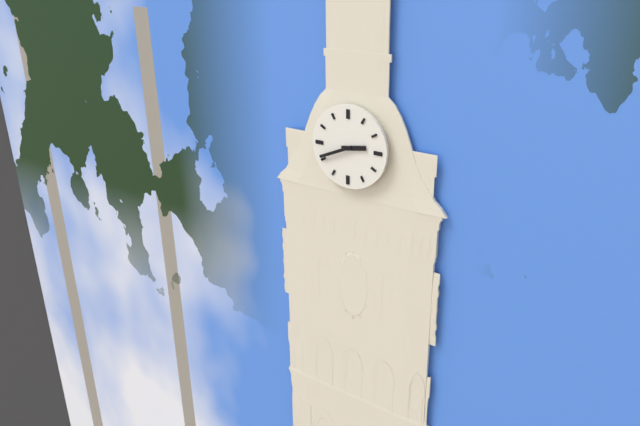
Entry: h=2 m=41
